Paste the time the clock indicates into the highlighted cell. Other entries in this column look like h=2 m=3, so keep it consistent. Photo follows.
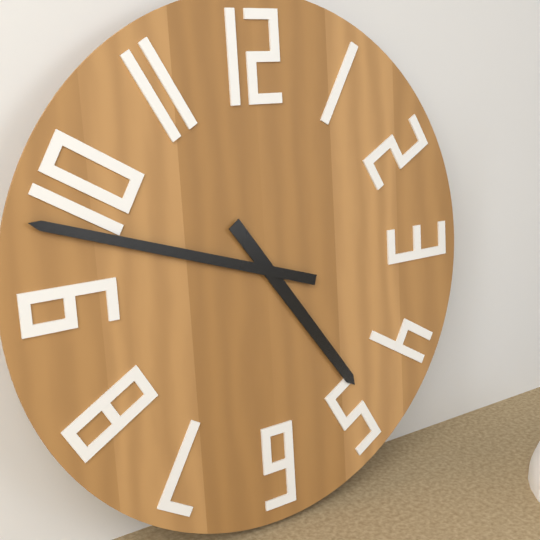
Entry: h=4 m=48
